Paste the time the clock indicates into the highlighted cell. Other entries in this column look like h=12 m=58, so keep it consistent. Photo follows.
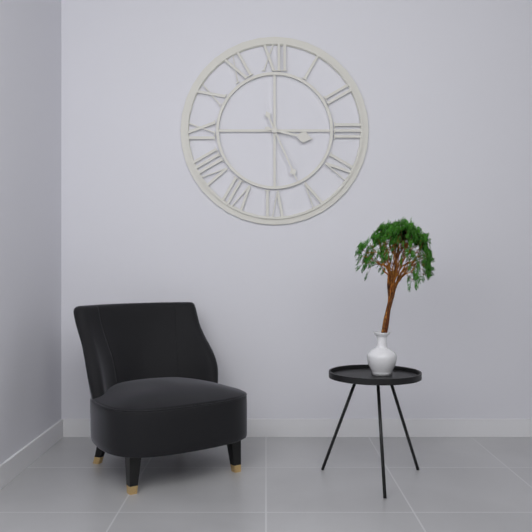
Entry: h=3 m=26
